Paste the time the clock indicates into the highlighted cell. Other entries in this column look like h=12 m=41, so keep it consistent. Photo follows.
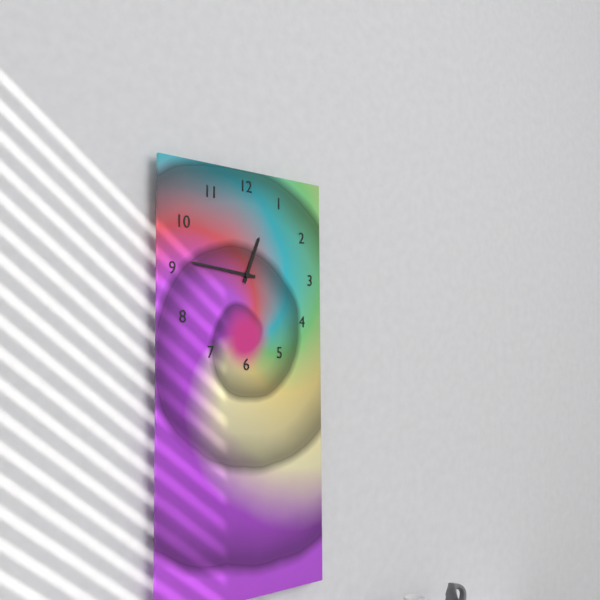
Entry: h=12 m=46
